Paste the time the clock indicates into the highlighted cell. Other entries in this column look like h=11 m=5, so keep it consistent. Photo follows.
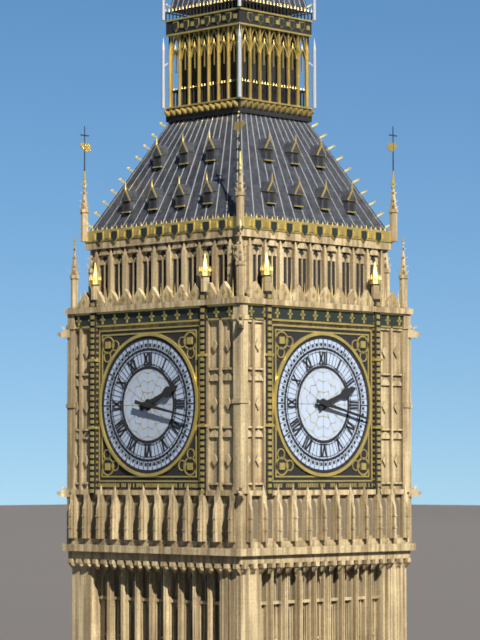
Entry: h=2 m=17
